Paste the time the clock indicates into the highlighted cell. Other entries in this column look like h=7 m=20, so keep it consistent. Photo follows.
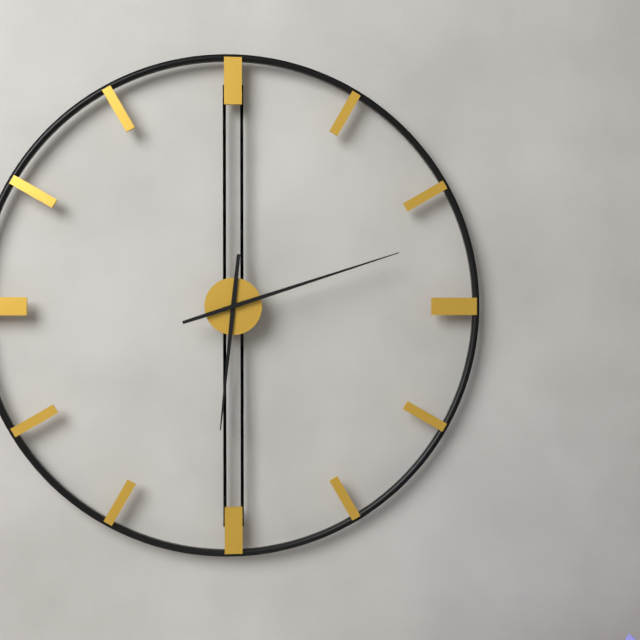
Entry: h=6 m=12
